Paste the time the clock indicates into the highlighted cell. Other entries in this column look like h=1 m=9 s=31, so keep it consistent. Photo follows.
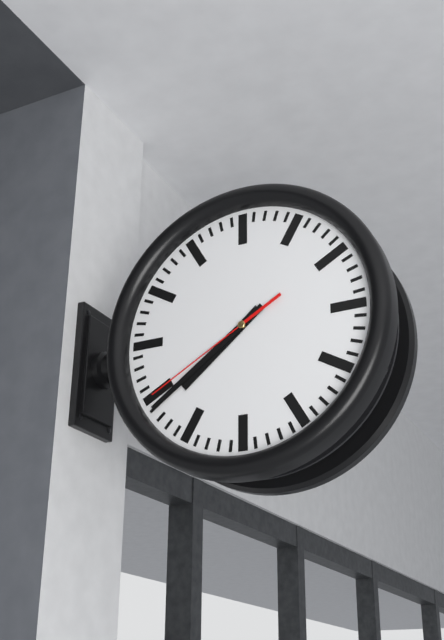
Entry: h=7 m=39 s=40
